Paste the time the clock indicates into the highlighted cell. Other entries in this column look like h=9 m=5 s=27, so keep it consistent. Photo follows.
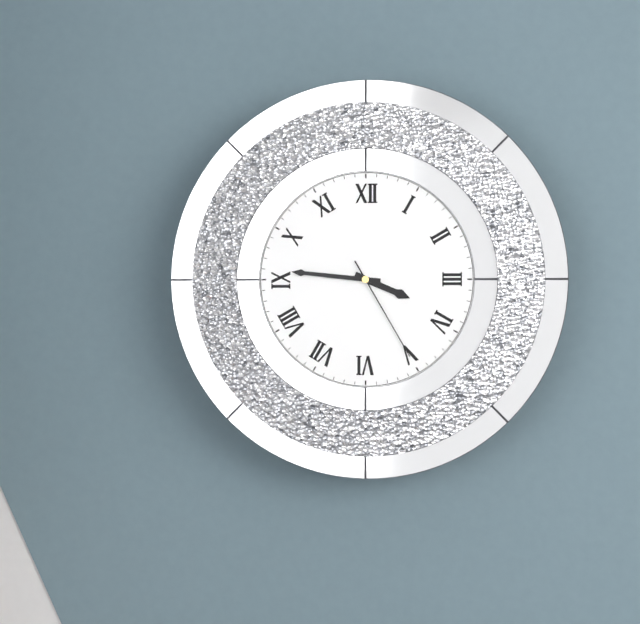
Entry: h=3 m=46 s=25
